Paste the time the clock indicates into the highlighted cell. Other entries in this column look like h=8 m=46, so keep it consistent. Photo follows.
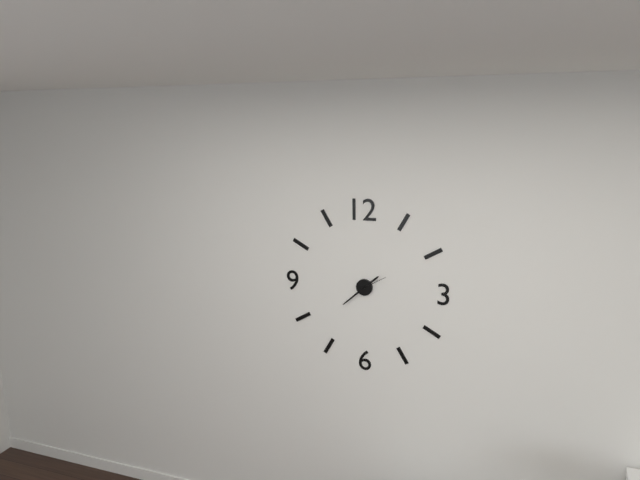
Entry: h=1 m=38
